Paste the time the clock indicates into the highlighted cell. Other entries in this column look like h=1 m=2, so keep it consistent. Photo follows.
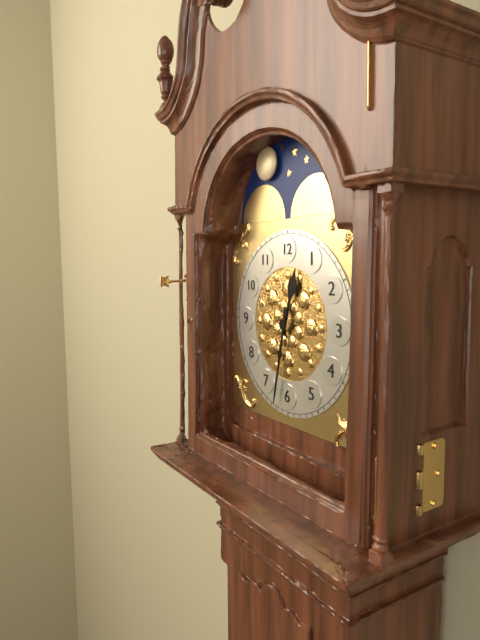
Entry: h=12 m=32
